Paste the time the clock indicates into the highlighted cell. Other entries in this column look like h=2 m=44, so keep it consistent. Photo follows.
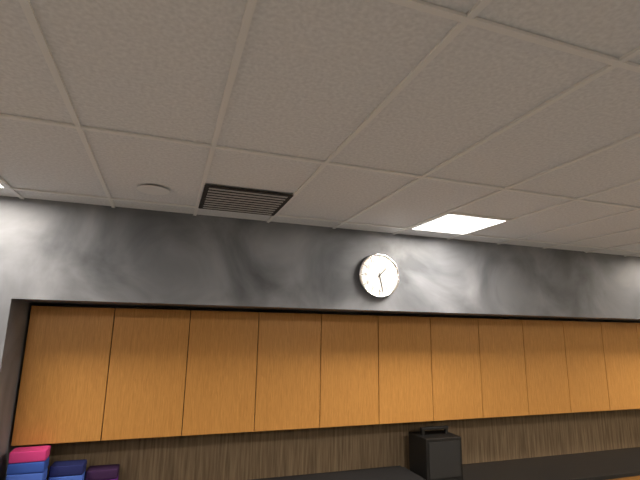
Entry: h=1 m=28
